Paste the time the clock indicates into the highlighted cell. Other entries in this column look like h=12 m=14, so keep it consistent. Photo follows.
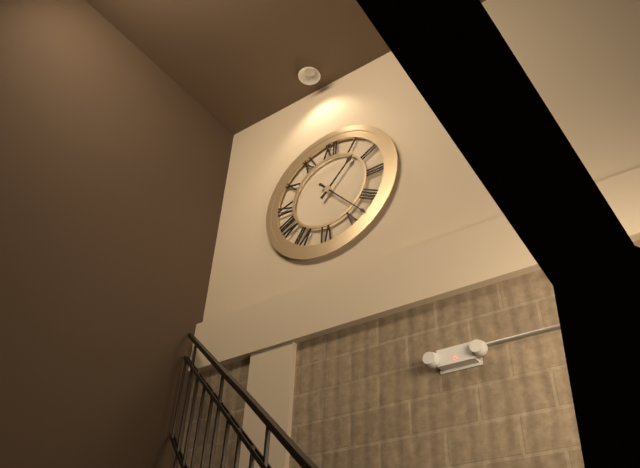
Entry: h=1 m=23
